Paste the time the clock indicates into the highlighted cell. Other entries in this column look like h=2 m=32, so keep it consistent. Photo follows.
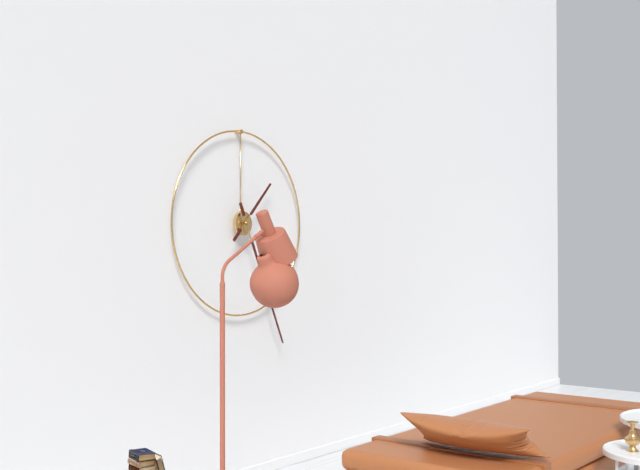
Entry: h=1 m=26
